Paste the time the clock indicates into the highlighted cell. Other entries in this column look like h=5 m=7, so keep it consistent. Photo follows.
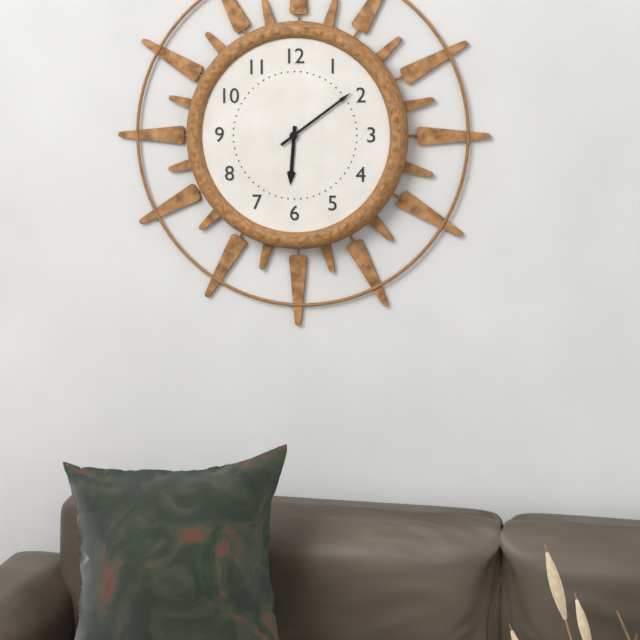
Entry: h=6 m=9
